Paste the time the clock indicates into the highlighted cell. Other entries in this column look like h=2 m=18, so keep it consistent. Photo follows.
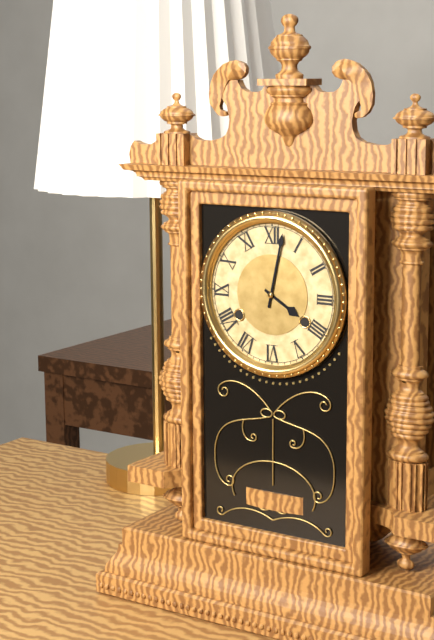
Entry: h=4 m=2
